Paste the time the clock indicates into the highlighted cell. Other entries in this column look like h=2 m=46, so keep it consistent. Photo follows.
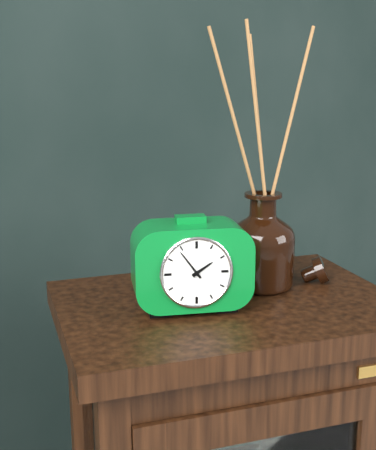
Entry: h=1 m=54
